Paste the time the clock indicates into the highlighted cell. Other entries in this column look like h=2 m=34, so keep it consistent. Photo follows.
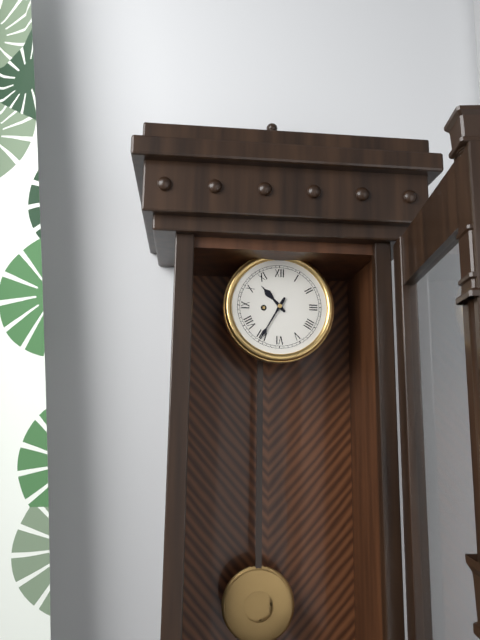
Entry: h=10 m=35
